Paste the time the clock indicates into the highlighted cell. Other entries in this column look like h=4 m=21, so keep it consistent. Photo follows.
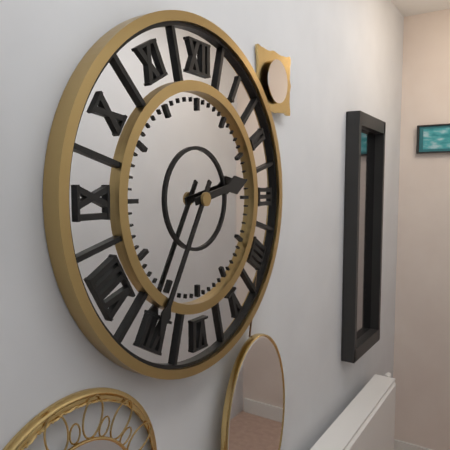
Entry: h=2 m=35
